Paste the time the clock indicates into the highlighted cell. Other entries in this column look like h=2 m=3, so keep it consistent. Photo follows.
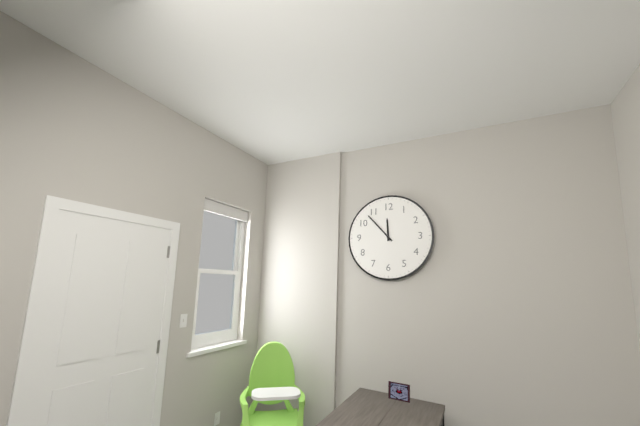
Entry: h=11 m=53
